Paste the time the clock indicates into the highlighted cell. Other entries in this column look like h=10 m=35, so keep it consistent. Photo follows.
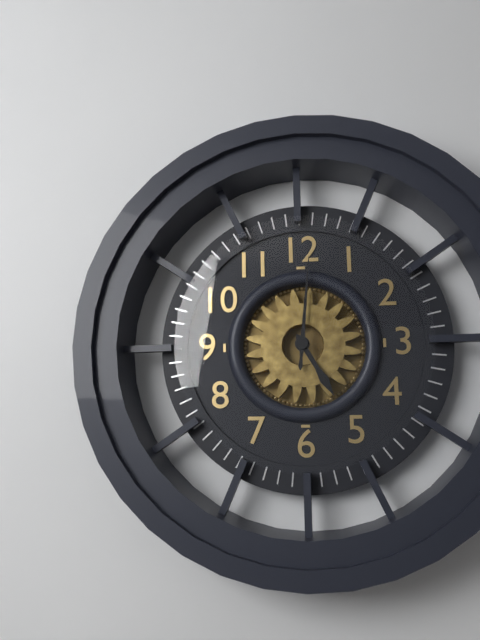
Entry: h=5 m=1
